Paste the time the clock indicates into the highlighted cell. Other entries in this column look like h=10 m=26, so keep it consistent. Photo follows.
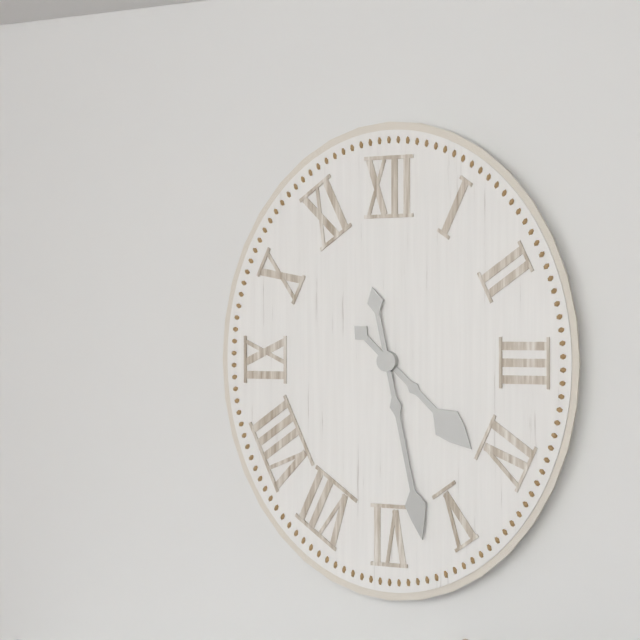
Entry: h=4 m=28
